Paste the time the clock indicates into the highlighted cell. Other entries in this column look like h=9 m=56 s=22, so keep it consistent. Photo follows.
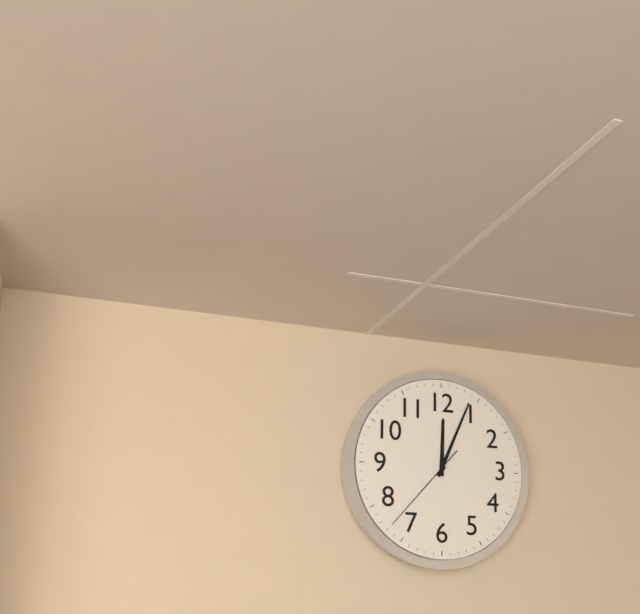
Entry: h=12 m=4 s=37
